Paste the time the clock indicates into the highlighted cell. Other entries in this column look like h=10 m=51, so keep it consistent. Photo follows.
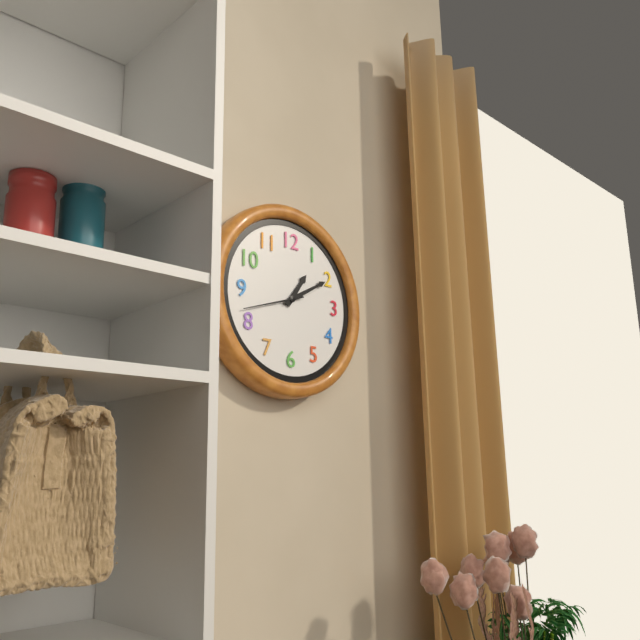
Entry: h=1 m=10
